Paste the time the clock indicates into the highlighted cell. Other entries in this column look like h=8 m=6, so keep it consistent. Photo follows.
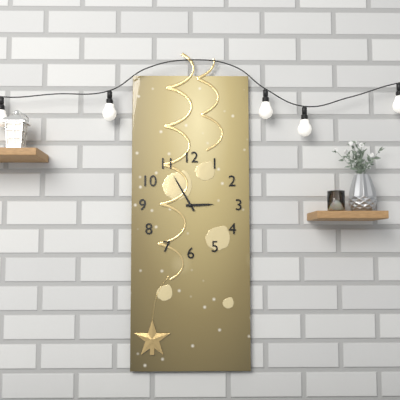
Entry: h=2 m=55
